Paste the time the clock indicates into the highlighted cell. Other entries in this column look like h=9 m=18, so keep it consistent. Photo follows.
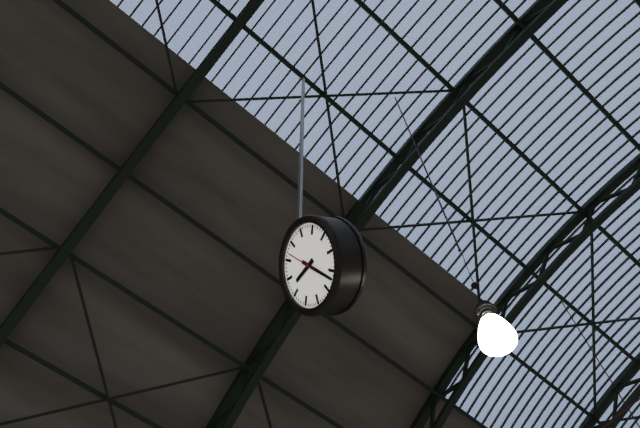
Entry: h=9 m=27
